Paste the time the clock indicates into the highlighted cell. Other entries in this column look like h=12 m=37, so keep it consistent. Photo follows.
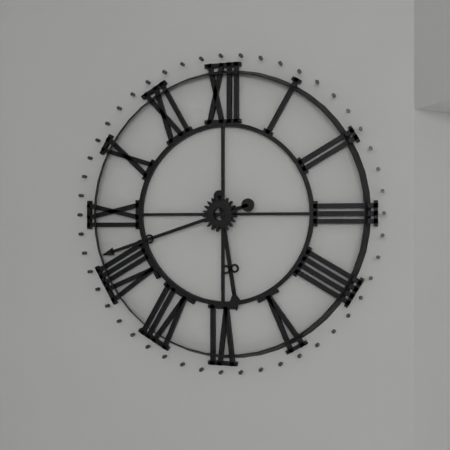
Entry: h=5 m=42
